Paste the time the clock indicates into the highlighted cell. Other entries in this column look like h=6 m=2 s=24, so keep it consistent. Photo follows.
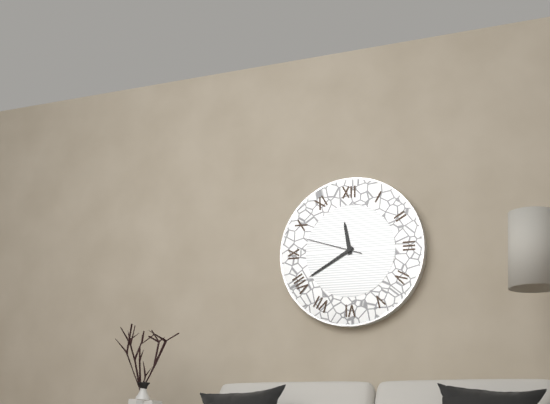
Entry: h=11 m=40 s=48
